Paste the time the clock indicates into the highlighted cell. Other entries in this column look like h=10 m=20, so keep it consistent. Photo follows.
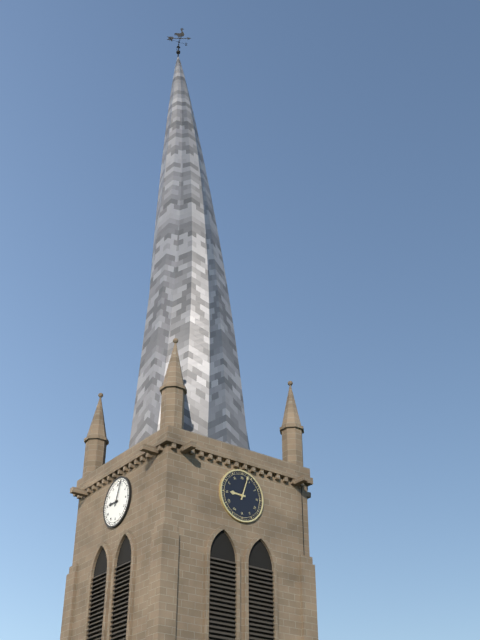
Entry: h=9 m=3
